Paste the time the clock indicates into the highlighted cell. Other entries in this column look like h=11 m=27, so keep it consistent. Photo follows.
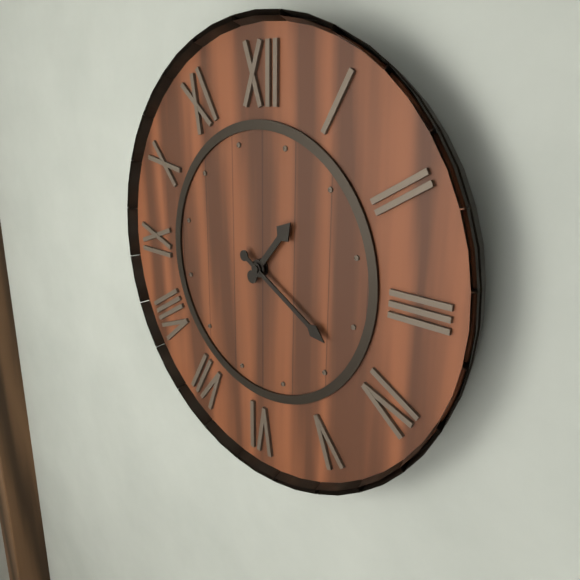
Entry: h=1 m=20
